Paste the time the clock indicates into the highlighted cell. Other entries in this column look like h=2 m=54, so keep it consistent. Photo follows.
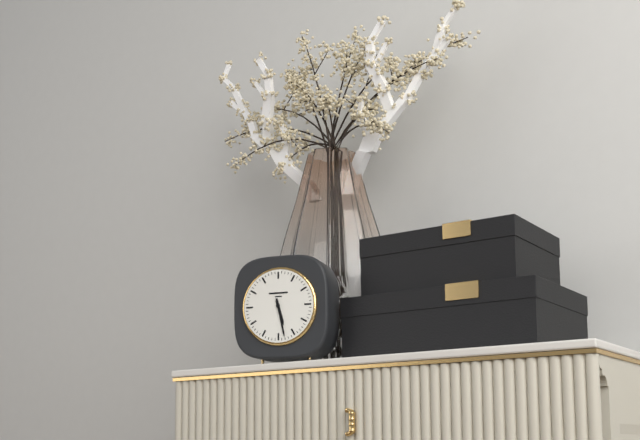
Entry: h=5 m=28
